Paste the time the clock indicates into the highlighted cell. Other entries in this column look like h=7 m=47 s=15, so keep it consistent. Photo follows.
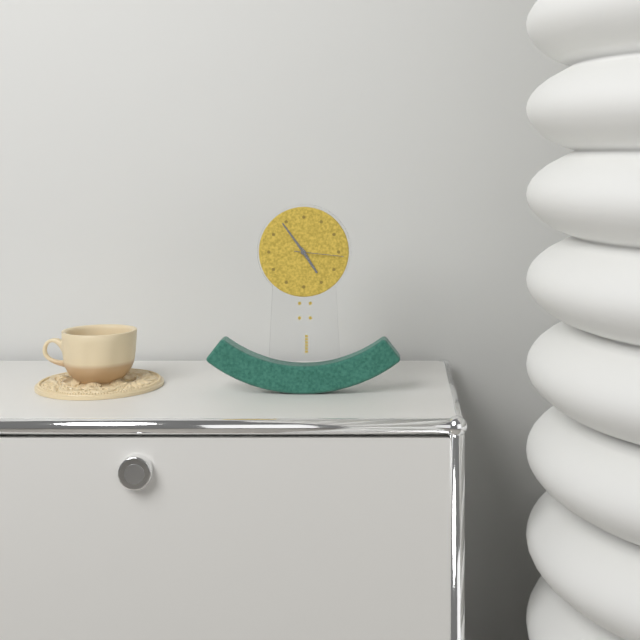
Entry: h=4 m=54 s=16
